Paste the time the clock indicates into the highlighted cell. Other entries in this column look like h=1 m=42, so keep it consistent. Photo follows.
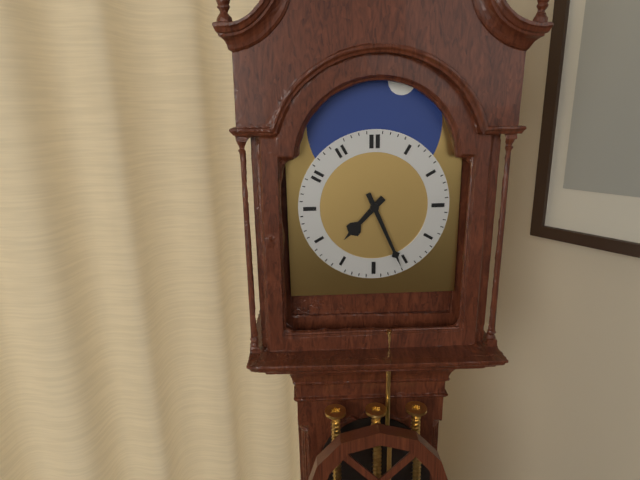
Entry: h=7 m=26
